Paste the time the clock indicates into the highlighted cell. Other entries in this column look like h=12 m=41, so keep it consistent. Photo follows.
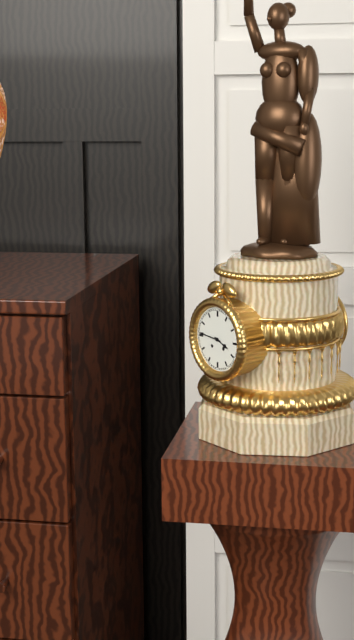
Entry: h=3 m=46
